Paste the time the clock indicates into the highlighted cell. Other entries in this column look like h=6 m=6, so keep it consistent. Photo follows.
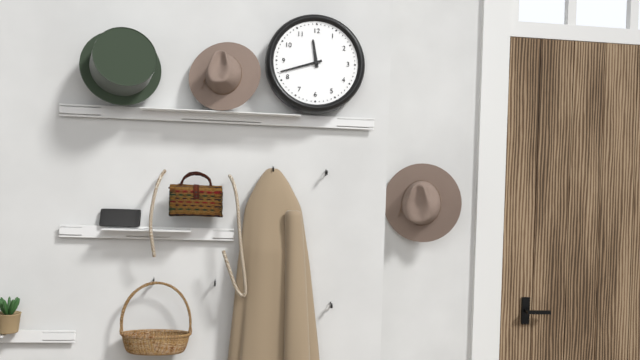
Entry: h=11 m=42
